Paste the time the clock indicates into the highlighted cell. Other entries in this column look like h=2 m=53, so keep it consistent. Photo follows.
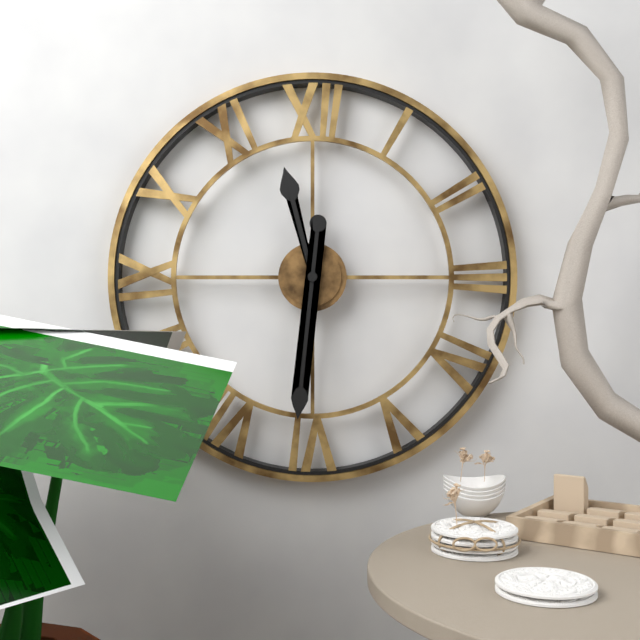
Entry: h=11 m=31
